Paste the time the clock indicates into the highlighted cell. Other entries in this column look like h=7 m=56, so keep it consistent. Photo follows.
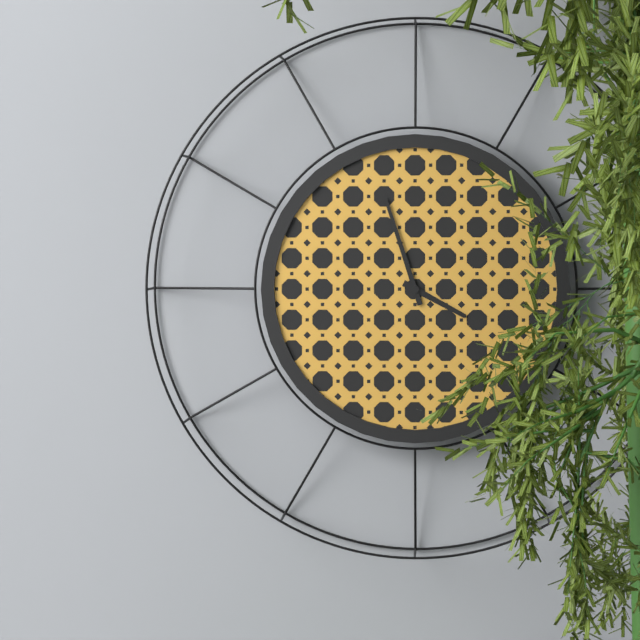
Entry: h=3 m=57
